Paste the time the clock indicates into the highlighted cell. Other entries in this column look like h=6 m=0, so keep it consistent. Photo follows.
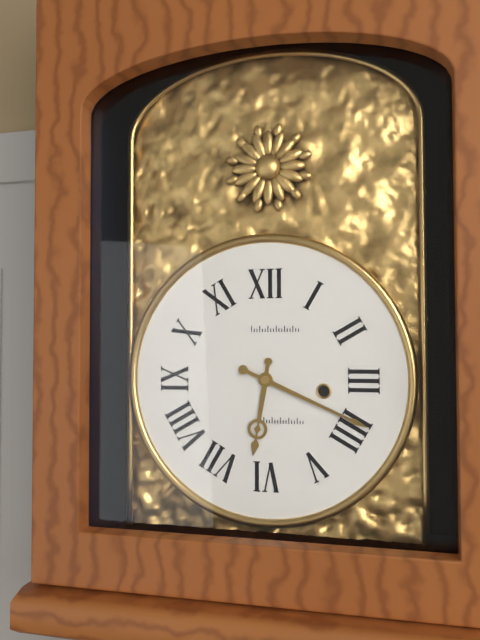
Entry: h=6 m=19
